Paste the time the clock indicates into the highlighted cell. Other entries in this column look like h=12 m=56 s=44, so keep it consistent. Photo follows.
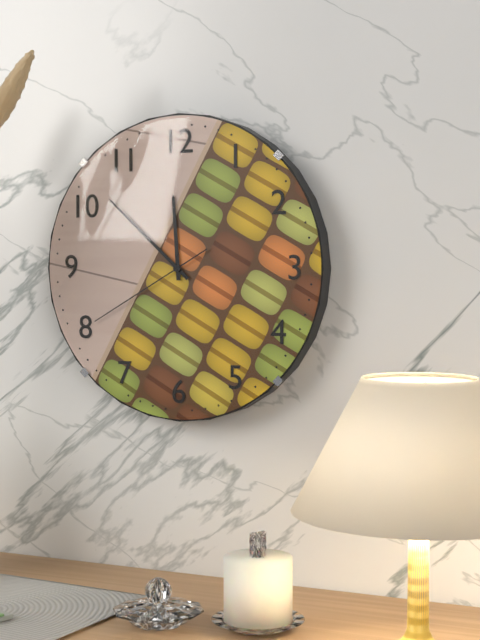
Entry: h=11 m=52 s=40
